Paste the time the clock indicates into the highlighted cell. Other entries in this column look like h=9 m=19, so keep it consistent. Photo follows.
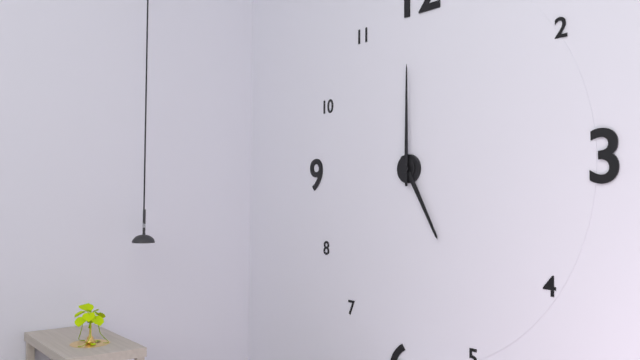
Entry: h=5 m=0
